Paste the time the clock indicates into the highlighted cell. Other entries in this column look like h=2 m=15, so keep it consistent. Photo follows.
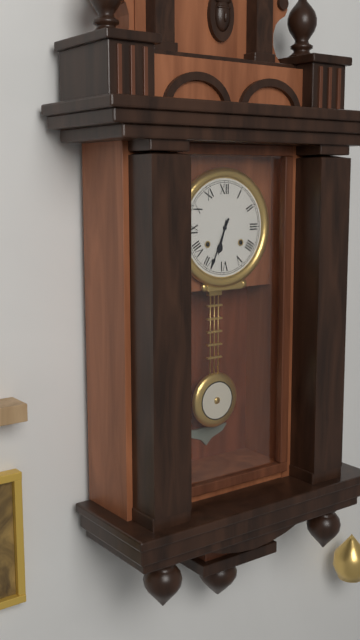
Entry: h=6 m=34
